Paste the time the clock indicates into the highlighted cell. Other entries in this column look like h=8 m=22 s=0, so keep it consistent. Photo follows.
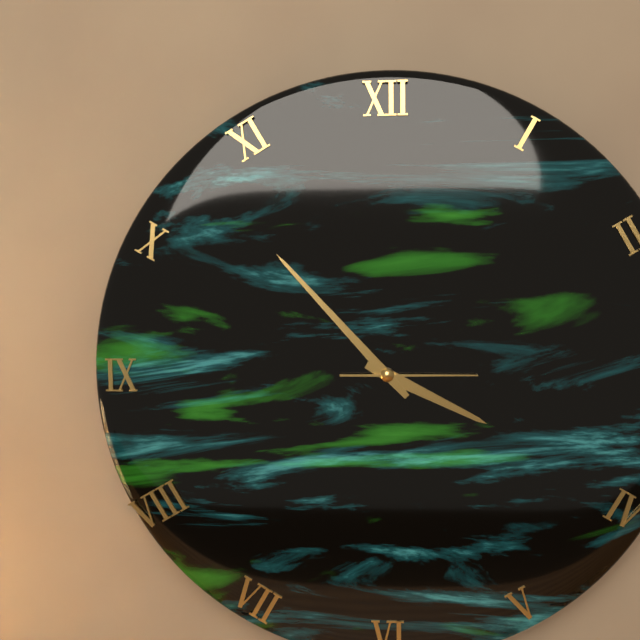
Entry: h=3 m=53 s=15
